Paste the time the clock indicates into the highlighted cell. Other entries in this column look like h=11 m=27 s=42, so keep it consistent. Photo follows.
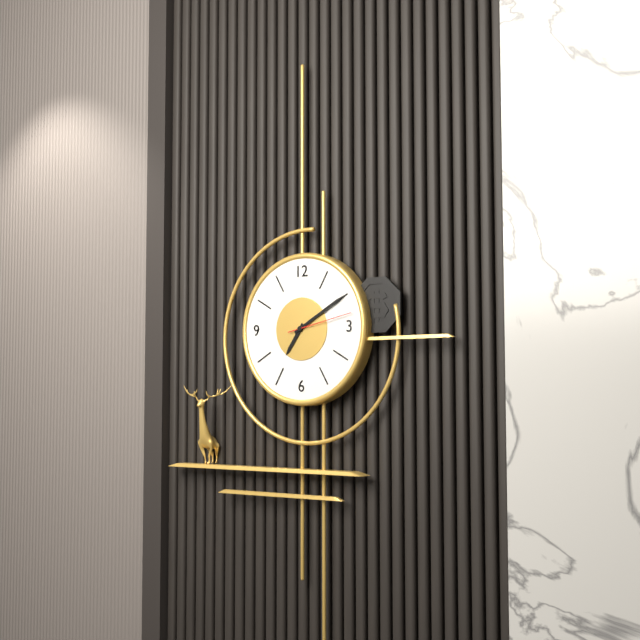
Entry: h=7 m=10 s=13
